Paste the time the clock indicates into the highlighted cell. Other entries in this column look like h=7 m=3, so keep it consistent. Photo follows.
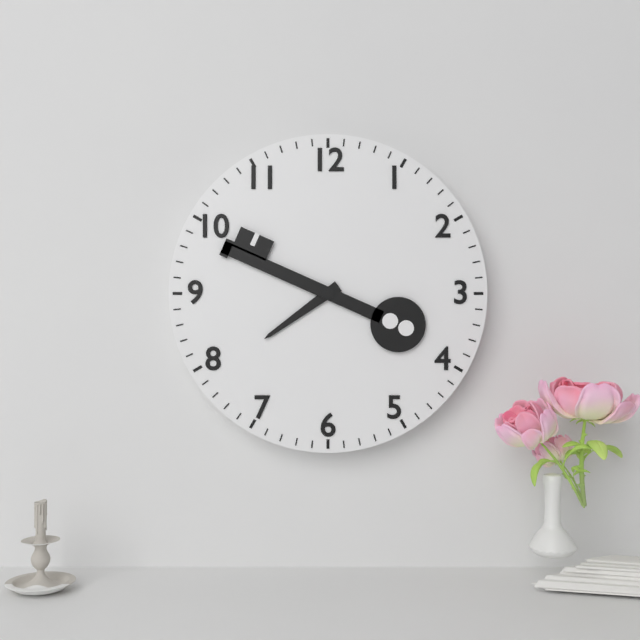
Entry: h=7 m=49
